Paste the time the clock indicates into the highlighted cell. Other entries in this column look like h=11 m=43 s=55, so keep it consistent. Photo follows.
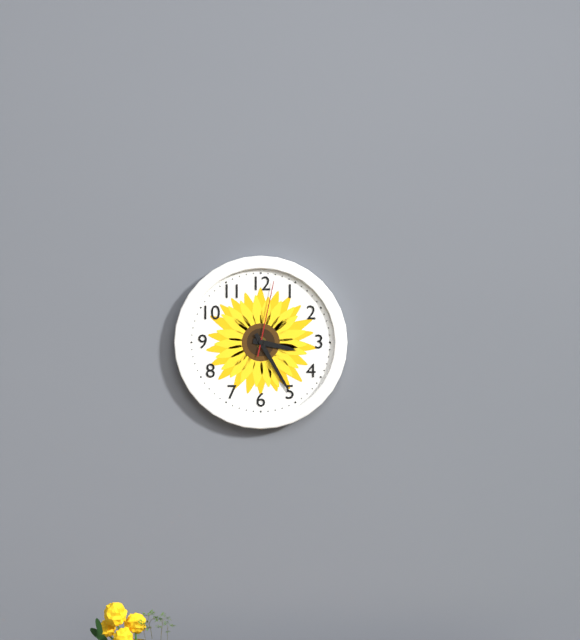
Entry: h=3 m=25 s=2
